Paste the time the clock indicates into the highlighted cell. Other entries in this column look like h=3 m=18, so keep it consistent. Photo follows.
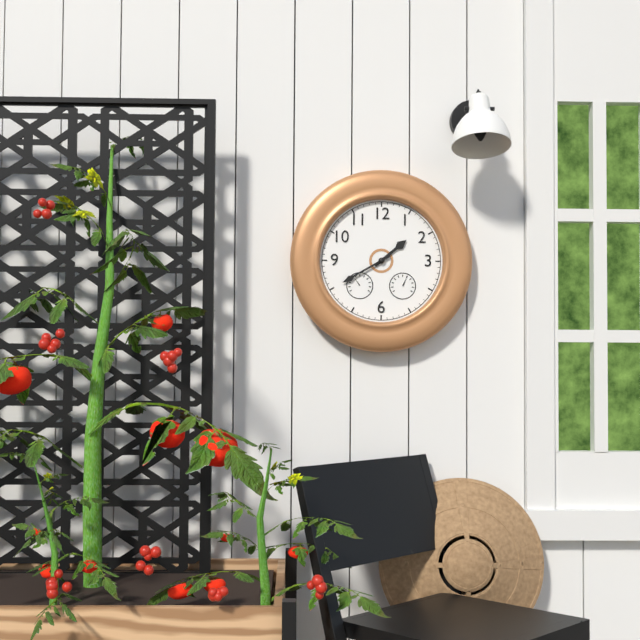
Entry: h=1 m=40
